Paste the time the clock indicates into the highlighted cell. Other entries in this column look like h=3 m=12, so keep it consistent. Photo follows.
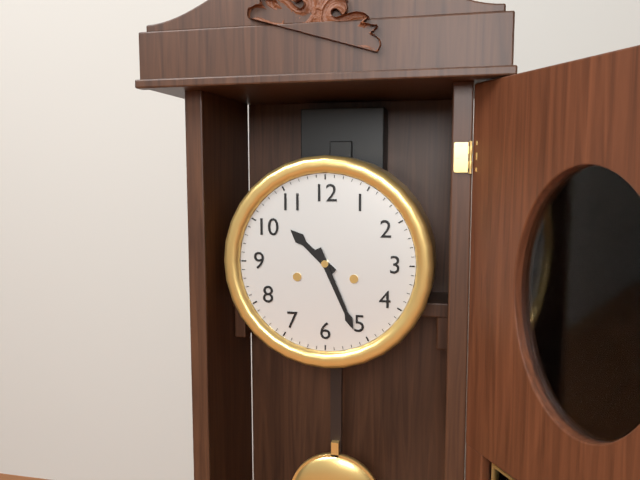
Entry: h=10 m=26
